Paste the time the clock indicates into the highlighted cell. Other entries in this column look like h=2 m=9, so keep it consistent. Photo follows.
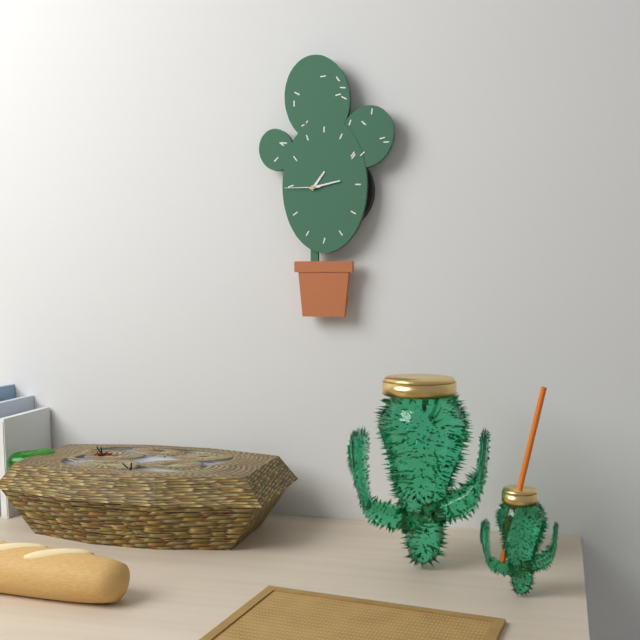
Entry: h=1 m=13
